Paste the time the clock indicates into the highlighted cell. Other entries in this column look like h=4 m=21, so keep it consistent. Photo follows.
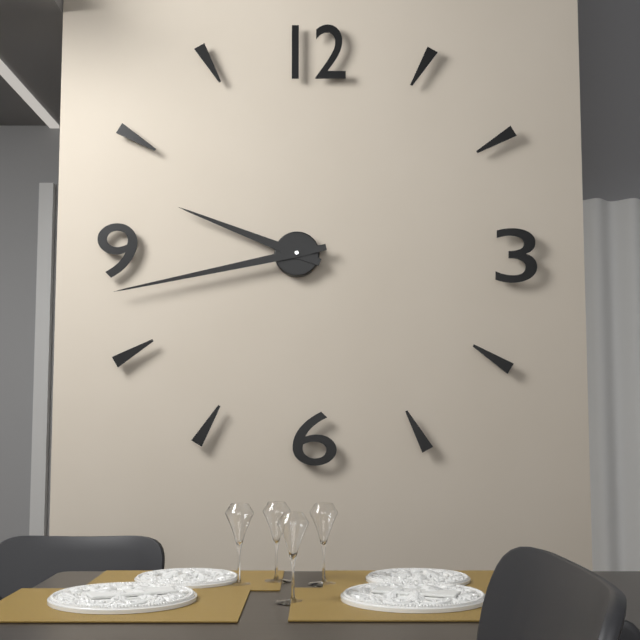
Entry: h=9 m=43
